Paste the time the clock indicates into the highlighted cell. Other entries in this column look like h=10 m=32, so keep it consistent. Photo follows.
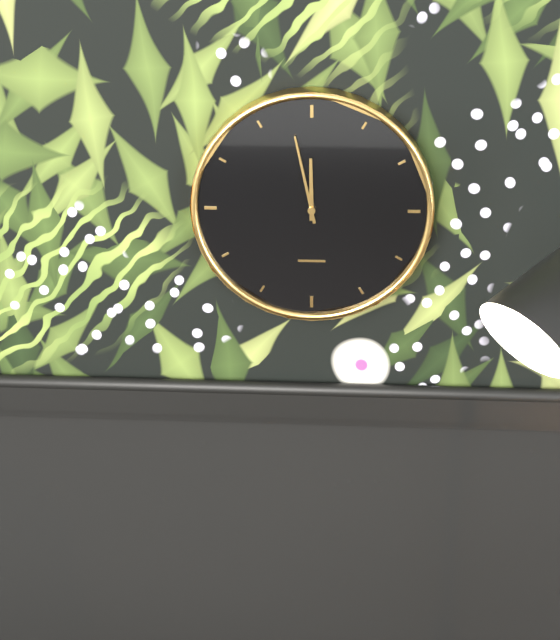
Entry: h=11 m=58
